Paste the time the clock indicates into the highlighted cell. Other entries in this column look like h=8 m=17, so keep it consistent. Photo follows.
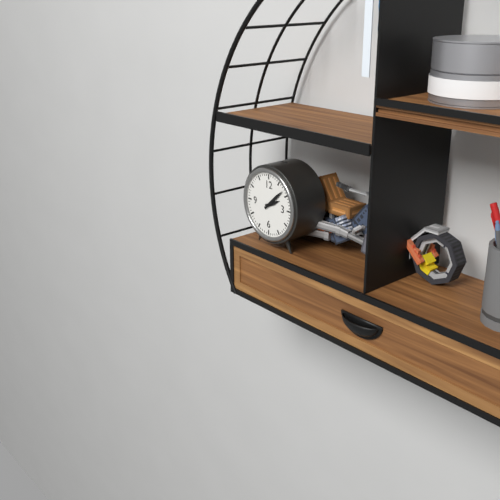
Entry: h=2 m=8
